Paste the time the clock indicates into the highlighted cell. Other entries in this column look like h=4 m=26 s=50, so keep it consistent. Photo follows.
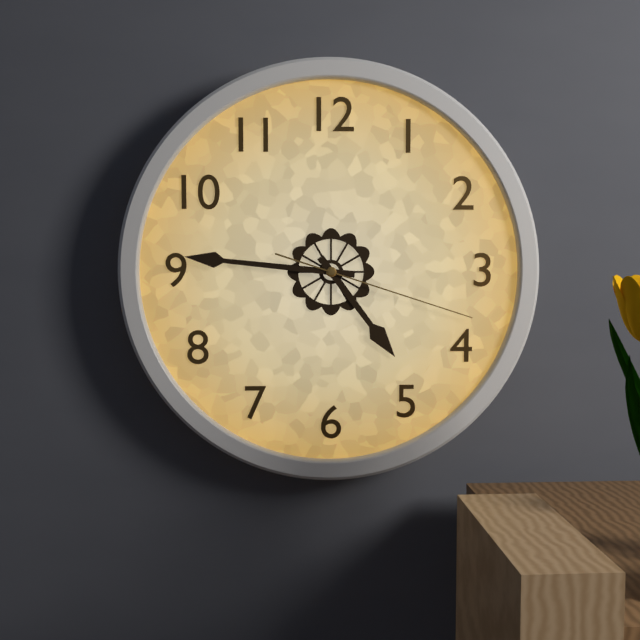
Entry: h=4 m=46 s=18
